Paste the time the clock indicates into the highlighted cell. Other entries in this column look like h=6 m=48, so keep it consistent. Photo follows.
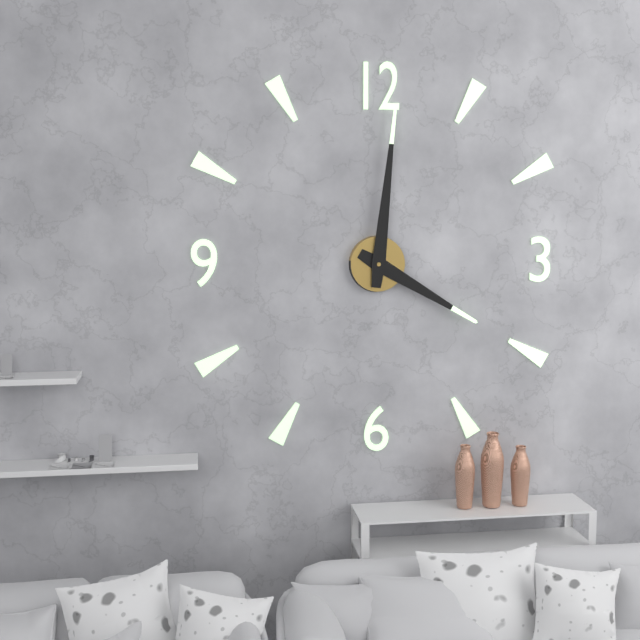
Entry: h=4 m=1
